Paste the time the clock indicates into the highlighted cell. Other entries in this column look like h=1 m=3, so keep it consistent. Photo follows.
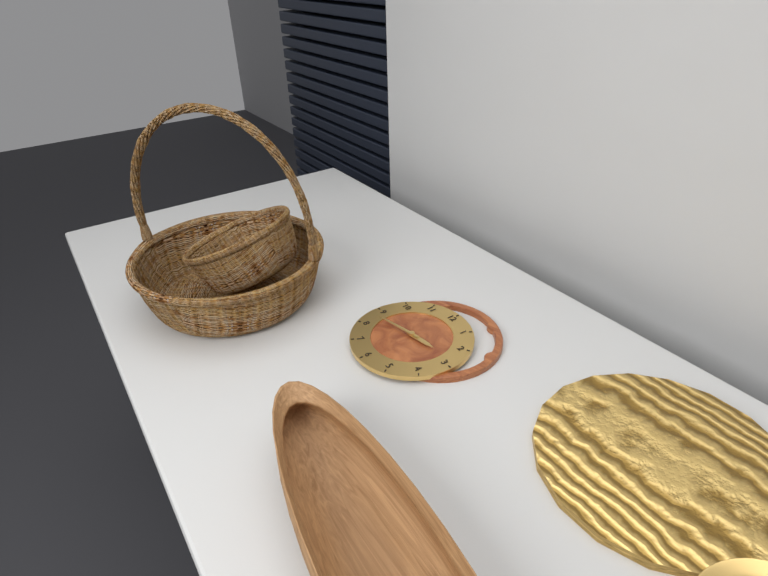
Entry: h=2 m=43
